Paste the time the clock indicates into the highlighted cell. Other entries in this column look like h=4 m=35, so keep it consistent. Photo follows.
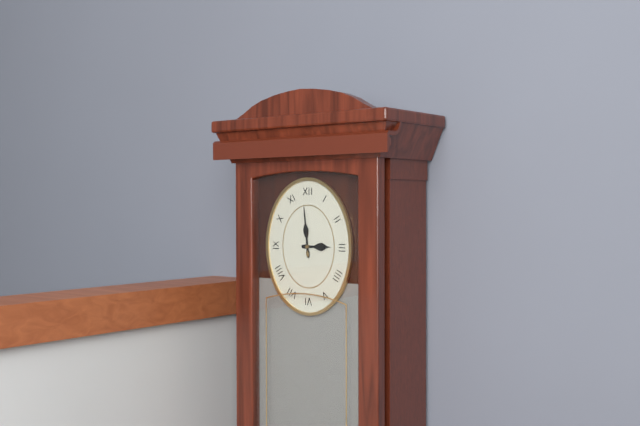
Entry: h=2 m=59
